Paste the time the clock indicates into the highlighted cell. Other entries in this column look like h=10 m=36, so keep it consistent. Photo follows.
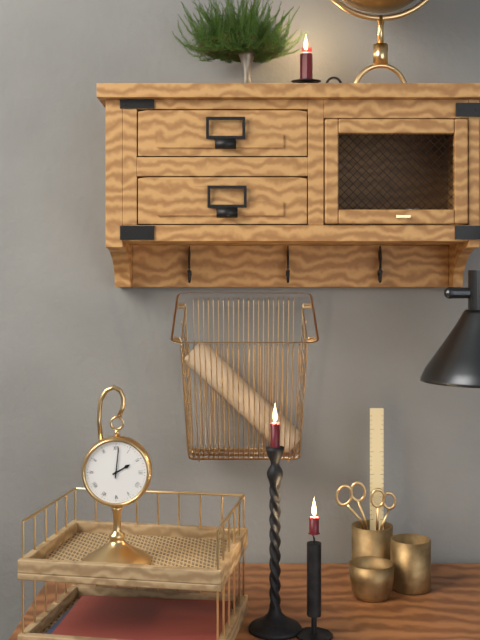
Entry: h=2 m=1
